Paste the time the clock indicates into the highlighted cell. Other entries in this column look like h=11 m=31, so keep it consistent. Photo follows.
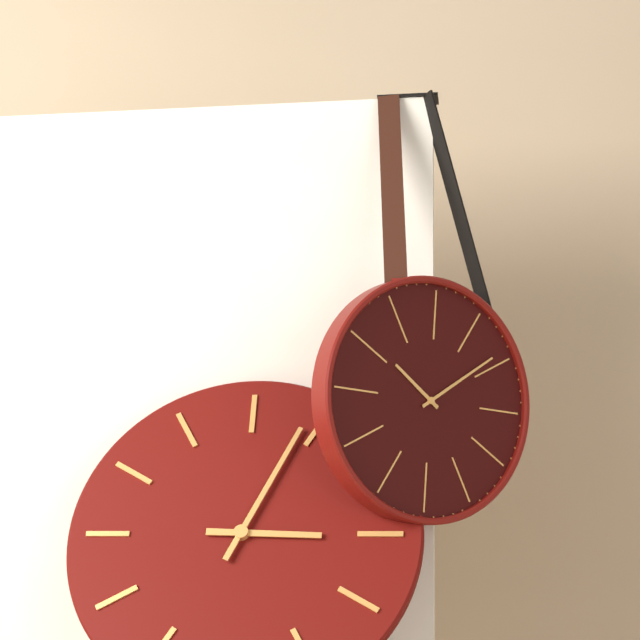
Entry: h=3 m=4
